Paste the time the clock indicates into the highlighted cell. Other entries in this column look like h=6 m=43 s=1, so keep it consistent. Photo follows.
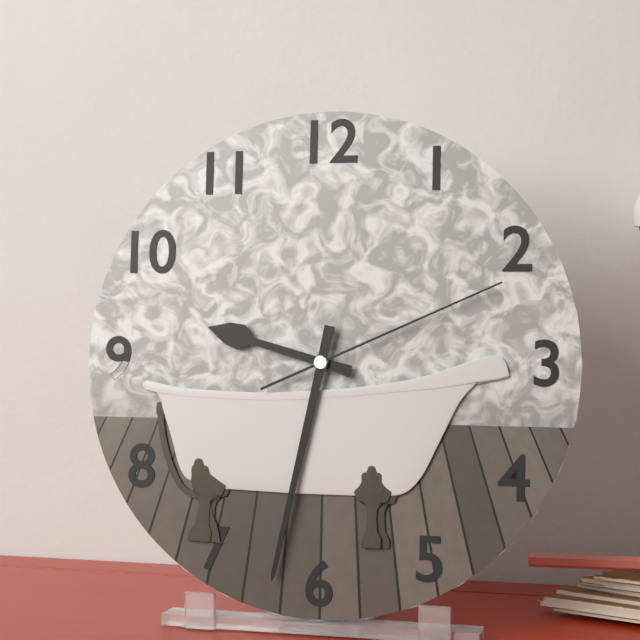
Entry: h=9 m=32 s=11
